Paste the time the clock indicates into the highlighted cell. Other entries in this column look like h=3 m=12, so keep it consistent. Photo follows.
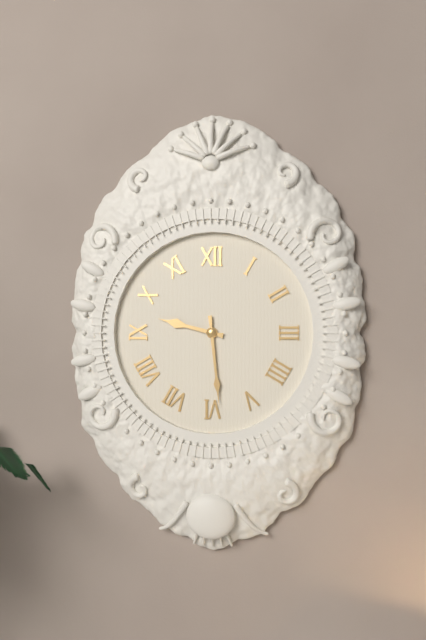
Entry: h=9 m=29
